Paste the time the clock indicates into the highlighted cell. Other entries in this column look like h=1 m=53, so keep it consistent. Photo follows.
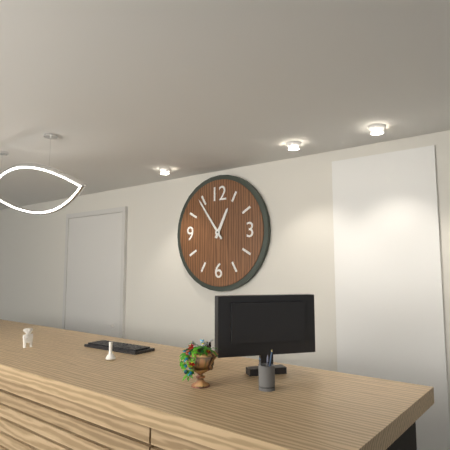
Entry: h=12 m=54
